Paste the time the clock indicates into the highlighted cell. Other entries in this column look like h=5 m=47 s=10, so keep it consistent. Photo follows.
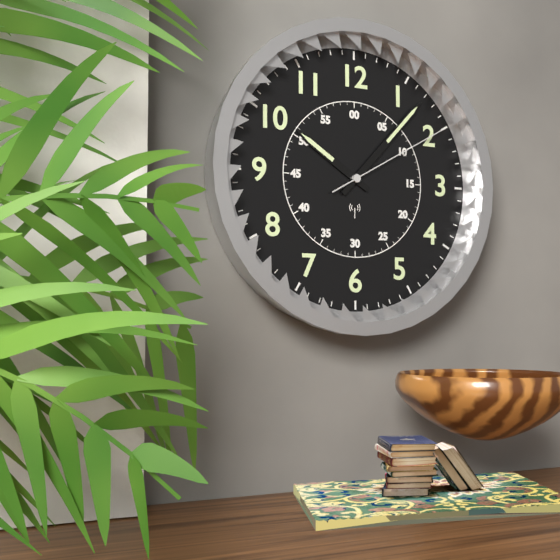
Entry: h=10 m=7 s=10
